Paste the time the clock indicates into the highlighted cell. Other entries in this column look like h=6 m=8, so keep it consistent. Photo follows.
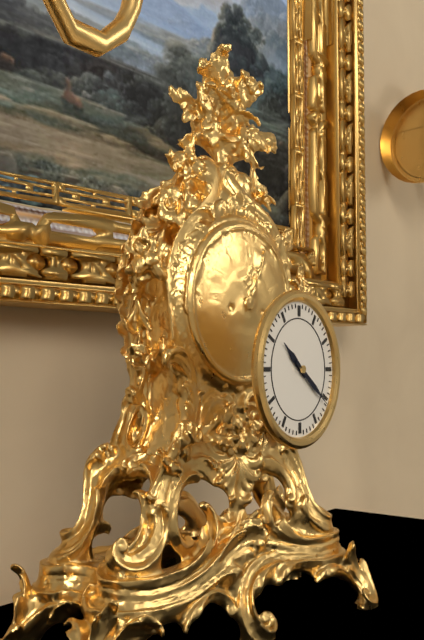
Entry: h=10 m=21
